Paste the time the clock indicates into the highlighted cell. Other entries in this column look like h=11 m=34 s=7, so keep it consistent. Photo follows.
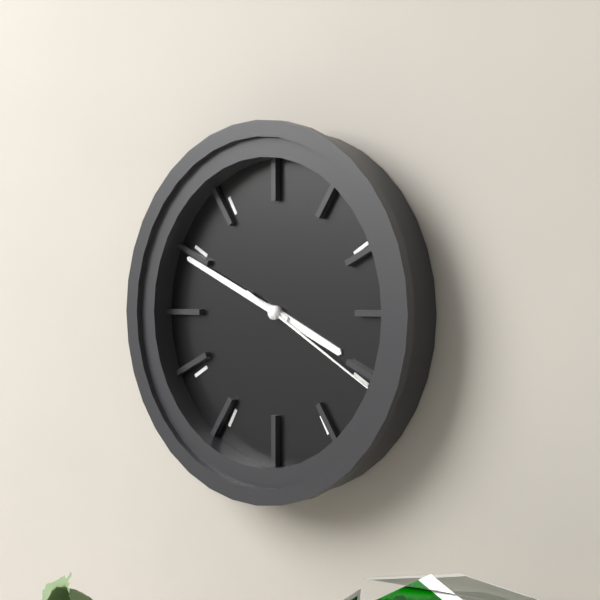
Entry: h=3 m=49 s=20
